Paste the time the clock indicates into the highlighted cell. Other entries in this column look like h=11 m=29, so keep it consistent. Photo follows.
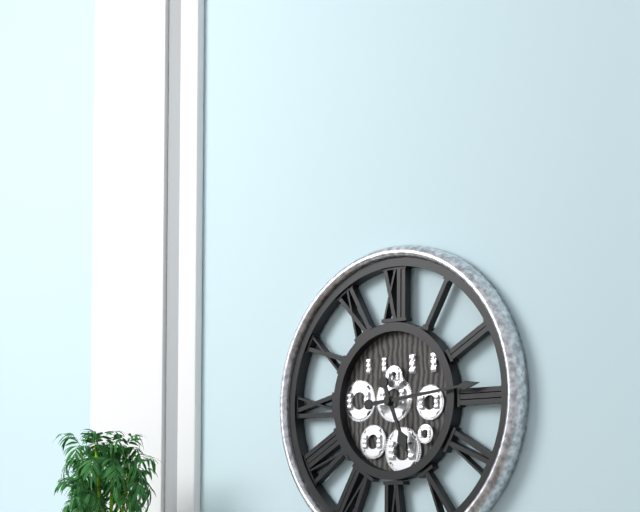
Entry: h=5 m=14
